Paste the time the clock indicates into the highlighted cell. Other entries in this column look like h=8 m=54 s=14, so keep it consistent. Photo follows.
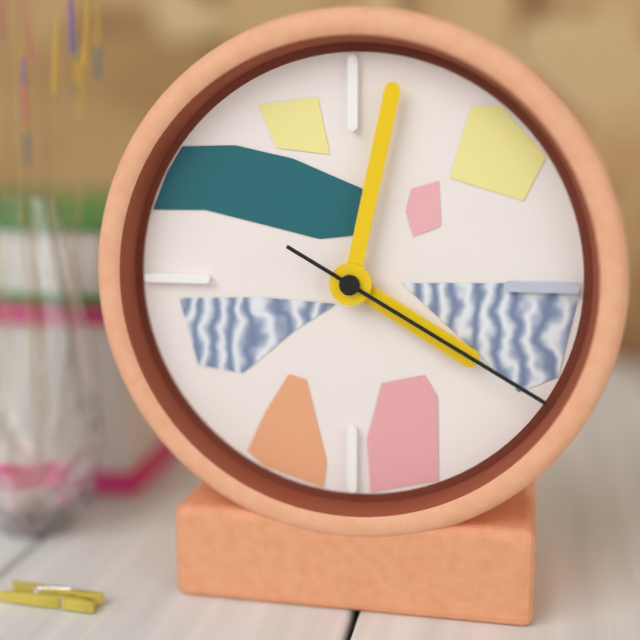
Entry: h=4 m=2 s=20
